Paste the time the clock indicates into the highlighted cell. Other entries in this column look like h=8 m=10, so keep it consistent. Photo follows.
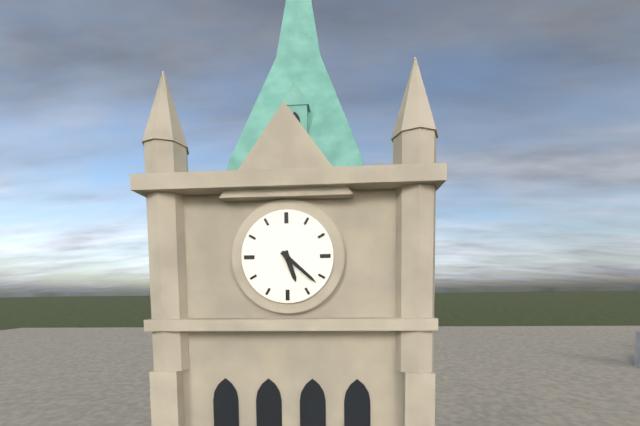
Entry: h=5 m=22
